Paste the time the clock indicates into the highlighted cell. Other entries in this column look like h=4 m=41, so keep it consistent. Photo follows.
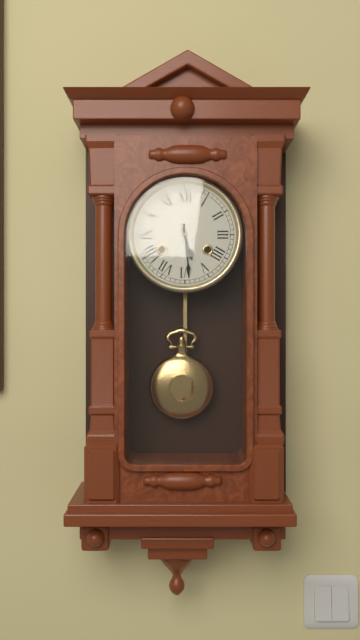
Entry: h=5 m=29
